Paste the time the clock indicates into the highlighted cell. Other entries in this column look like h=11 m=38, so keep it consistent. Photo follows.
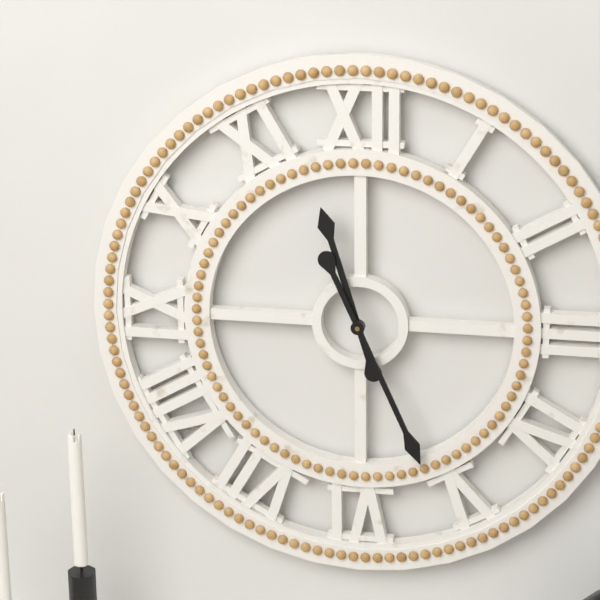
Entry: h=11 m=26
